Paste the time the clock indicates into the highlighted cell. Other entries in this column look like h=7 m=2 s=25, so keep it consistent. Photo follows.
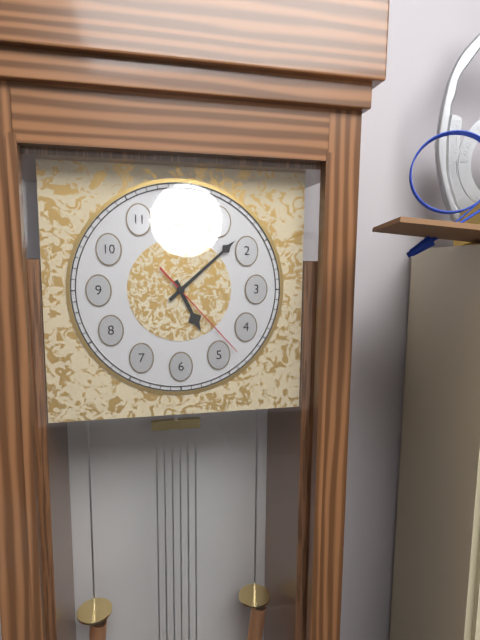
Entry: h=5 m=8 s=23
